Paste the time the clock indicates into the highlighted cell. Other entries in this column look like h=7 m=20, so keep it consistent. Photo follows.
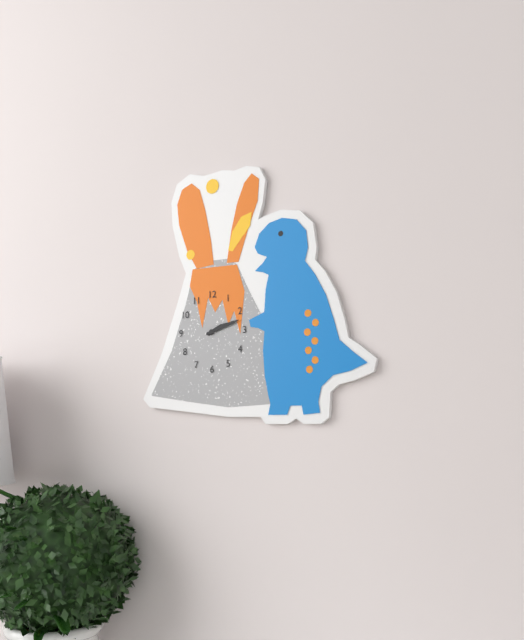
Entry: h=2 m=12
